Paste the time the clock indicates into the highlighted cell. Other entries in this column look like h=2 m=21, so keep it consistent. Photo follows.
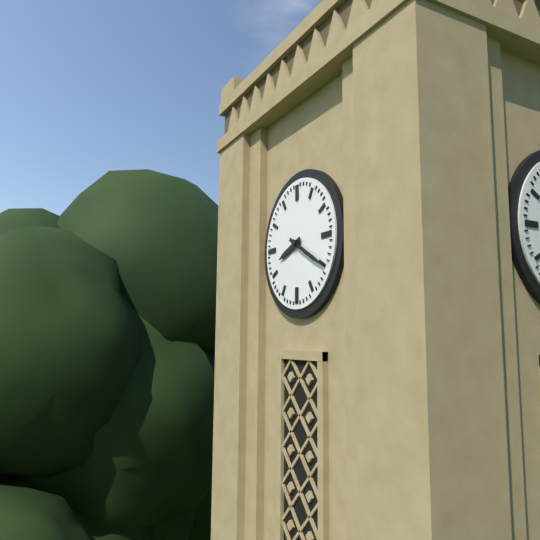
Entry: h=8 m=20
